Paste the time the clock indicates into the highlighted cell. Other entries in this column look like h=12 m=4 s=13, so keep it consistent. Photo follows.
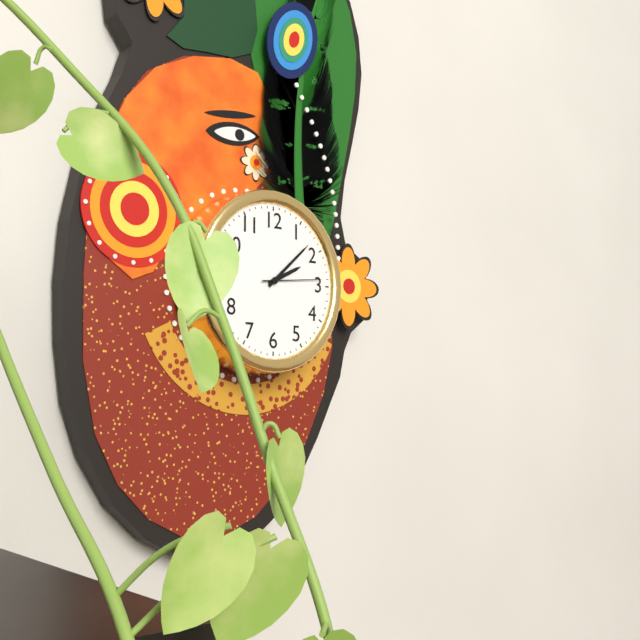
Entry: h=2 m=8 s=14
